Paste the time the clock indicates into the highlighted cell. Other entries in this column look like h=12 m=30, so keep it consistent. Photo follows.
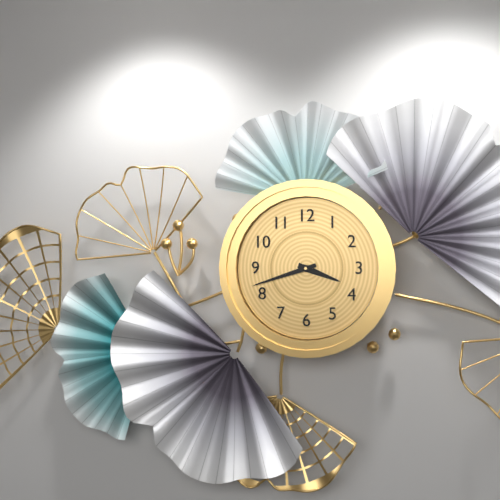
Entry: h=3 m=42
